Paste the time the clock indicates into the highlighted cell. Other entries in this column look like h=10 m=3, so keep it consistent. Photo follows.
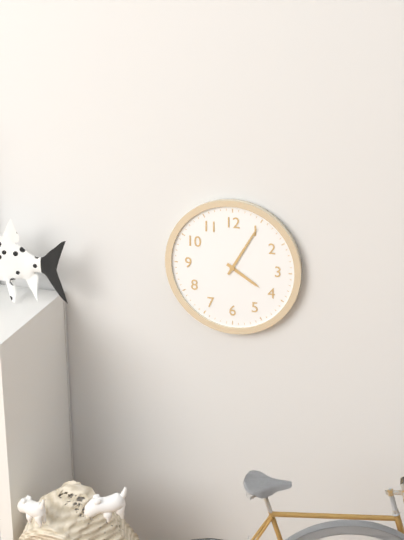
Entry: h=4 m=5
